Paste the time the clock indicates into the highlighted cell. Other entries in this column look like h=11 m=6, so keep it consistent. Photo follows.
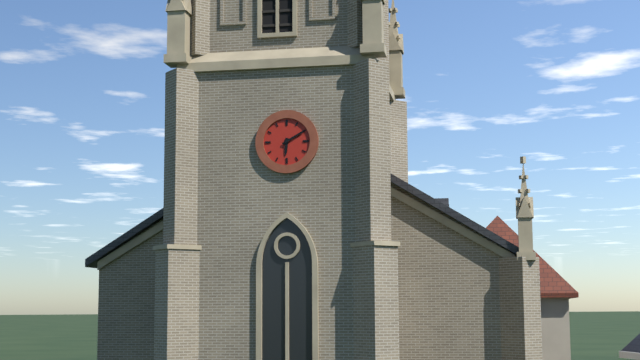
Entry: h=6 m=10
